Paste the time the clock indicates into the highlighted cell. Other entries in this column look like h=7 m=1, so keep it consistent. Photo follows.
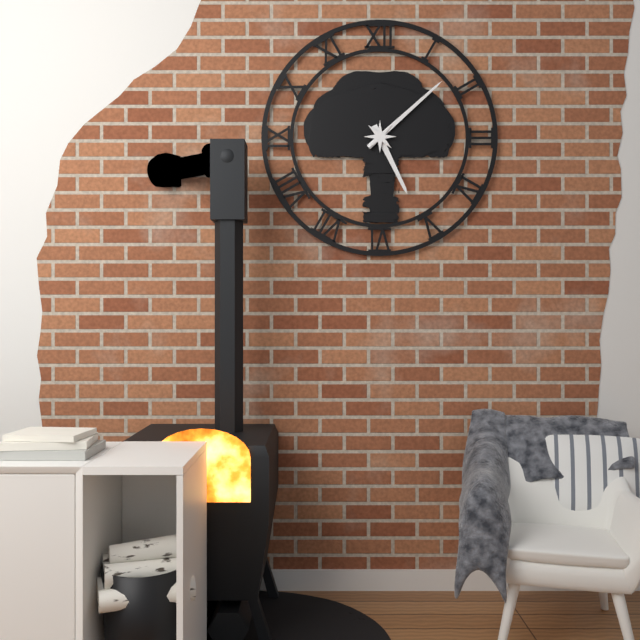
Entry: h=5 m=8
